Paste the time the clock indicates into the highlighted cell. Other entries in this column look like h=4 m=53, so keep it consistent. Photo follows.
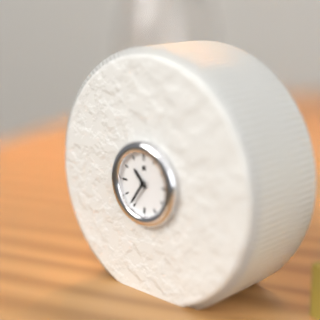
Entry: h=10 m=36
